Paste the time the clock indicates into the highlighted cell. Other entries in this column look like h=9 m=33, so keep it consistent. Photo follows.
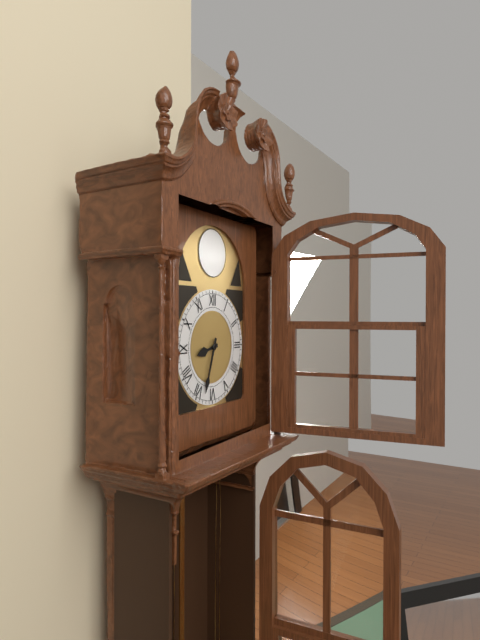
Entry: h=8 m=33
